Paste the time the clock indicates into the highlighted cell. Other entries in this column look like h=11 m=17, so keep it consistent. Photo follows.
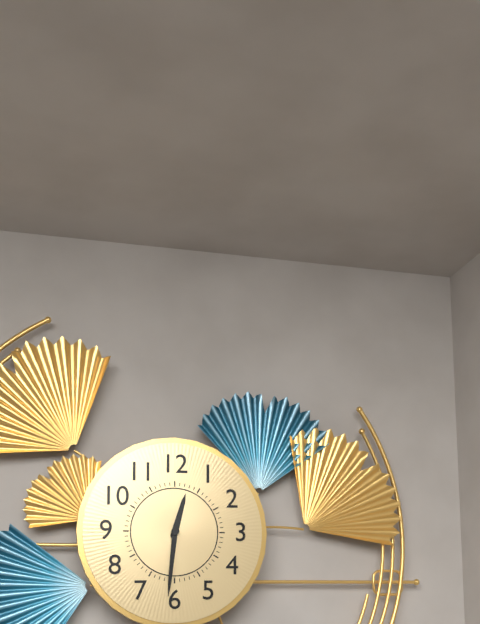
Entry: h=12 m=31
